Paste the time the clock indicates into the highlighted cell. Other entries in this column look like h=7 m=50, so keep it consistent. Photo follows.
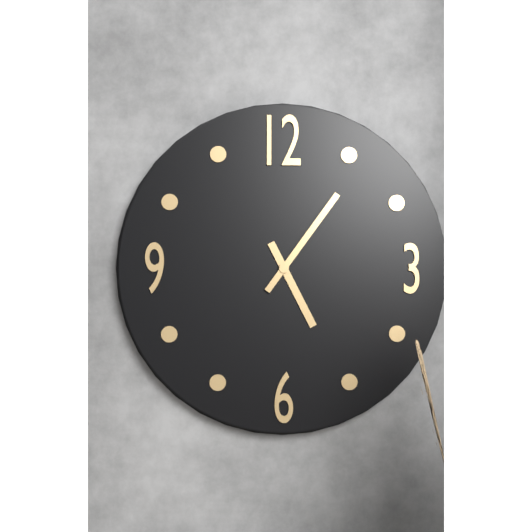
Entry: h=5 m=6
